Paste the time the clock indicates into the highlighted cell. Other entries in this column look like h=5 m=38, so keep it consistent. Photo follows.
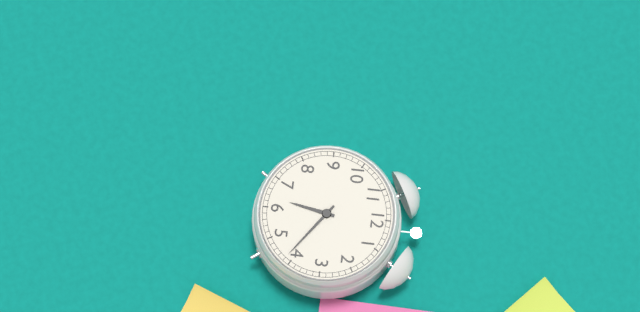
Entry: h=6 m=21
